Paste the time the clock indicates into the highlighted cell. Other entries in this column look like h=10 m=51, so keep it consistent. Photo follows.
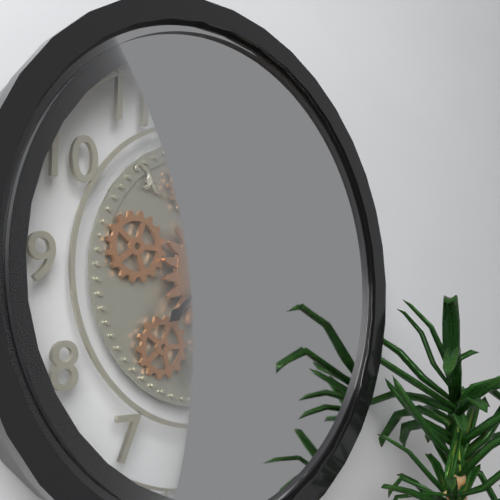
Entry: h=6 m=8
